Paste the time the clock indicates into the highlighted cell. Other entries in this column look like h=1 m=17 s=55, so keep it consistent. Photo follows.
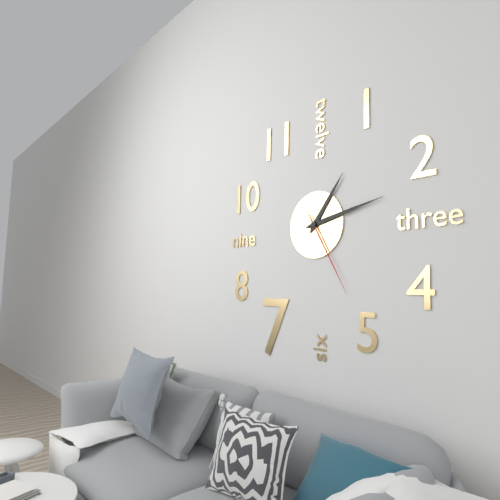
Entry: h=1 m=13 s=25
